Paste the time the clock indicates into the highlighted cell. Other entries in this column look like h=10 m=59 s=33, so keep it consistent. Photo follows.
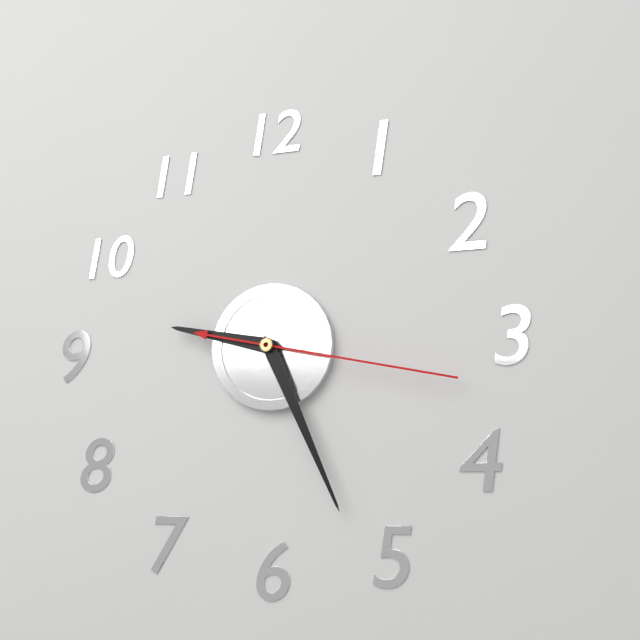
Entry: h=9 m=26 s=17
